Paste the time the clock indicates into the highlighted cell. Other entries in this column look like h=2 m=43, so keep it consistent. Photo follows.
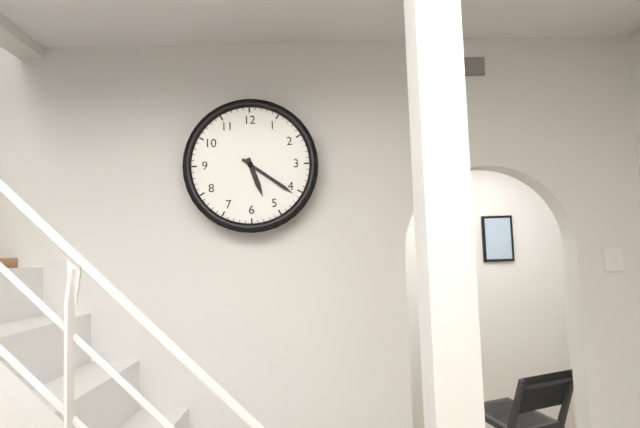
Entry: h=5 m=21
